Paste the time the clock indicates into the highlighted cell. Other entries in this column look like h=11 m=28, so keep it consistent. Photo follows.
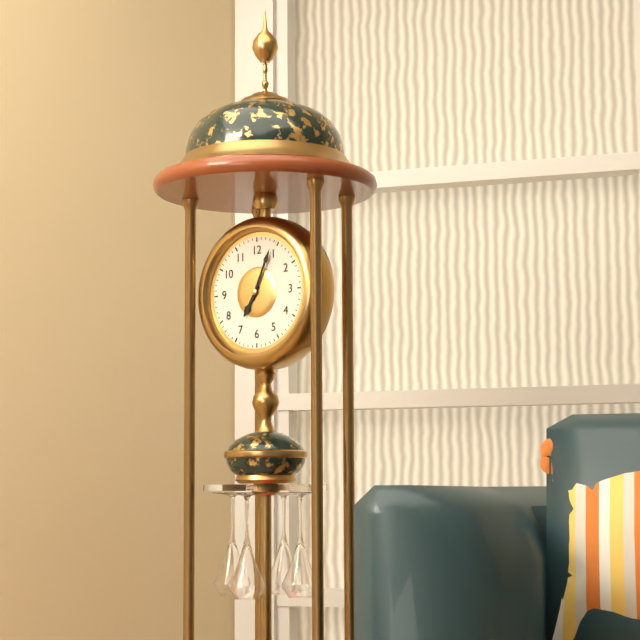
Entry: h=7 m=4
